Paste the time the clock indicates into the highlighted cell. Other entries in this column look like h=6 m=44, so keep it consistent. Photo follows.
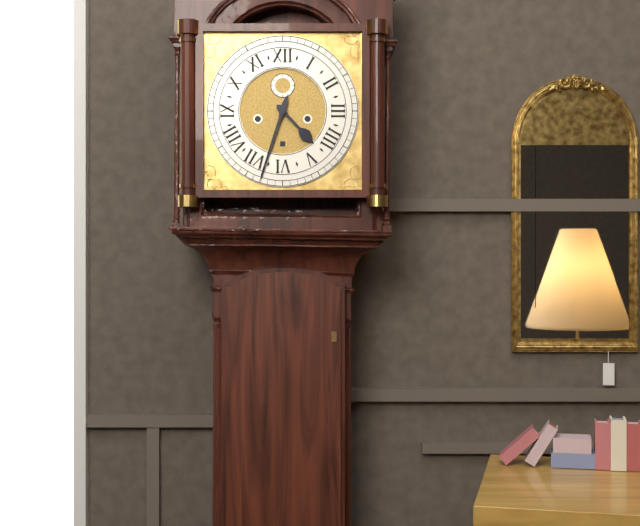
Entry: h=4 m=33
